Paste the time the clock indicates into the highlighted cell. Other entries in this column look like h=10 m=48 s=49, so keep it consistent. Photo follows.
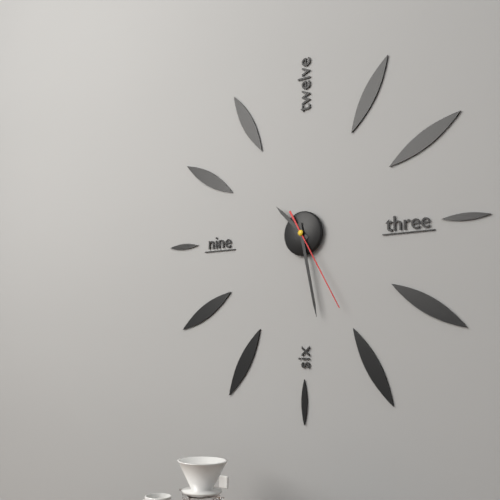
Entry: h=10 m=28 s=25
